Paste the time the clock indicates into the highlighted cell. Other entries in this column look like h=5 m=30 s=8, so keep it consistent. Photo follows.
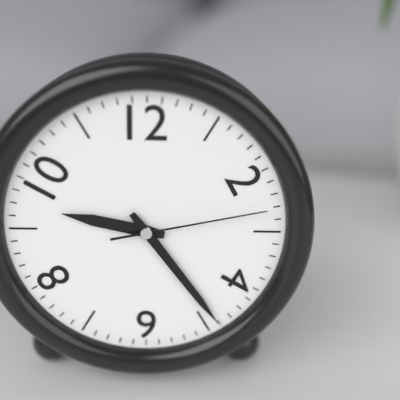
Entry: h=9 m=24 s=13
